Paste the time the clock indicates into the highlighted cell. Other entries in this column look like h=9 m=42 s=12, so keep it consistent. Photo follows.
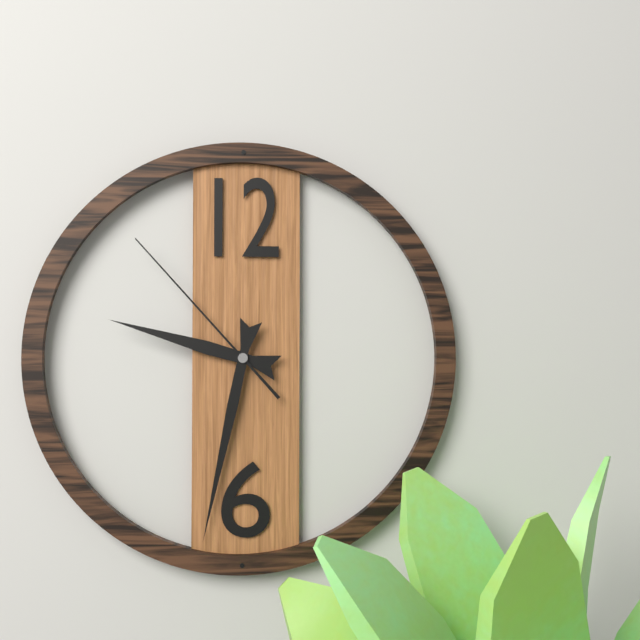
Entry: h=9 m=32 s=53
